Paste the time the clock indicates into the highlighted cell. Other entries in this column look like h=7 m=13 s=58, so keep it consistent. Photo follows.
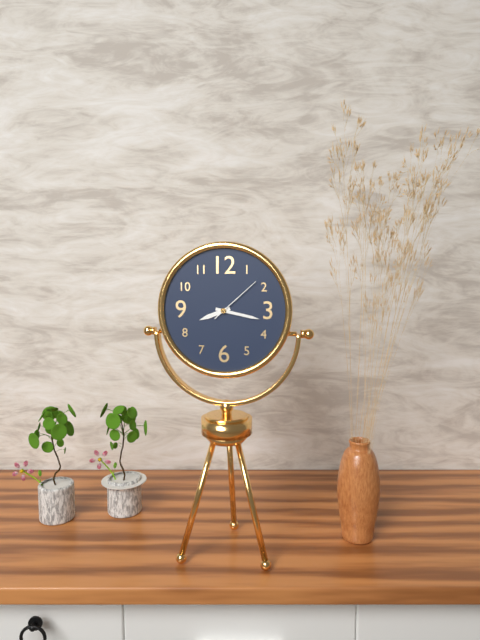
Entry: h=8 m=17 s=8
